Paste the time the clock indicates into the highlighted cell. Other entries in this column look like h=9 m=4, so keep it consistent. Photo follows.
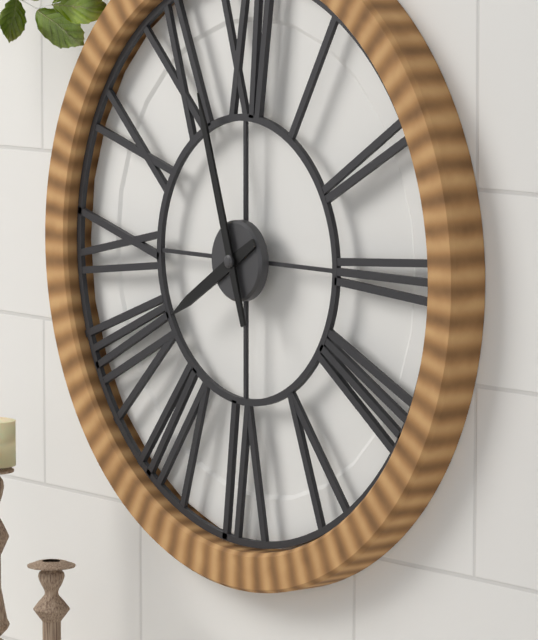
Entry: h=7 m=57
